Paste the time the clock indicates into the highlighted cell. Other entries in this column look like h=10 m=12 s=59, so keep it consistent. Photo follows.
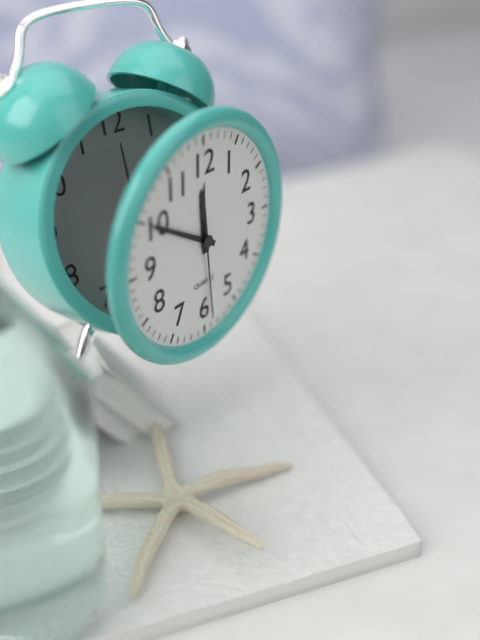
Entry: h=11 m=50 s=29
